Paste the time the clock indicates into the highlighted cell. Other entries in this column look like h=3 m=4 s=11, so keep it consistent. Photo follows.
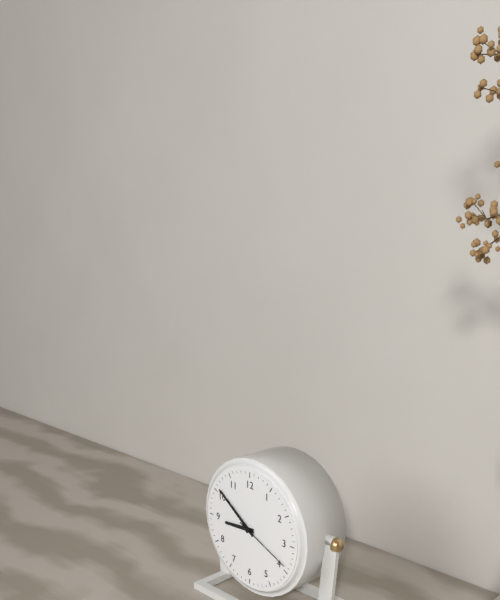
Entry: h=8 m=51 s=19
